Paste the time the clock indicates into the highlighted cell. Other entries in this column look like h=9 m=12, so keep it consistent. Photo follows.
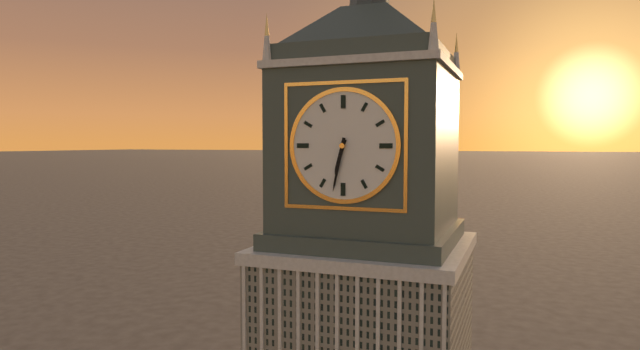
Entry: h=6 m=32
